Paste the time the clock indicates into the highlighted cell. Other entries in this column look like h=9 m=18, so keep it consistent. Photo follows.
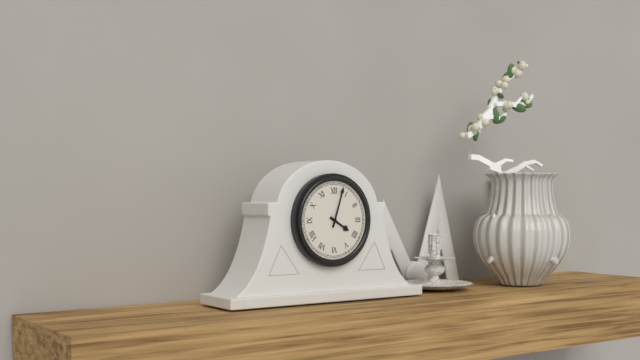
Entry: h=4 m=3
